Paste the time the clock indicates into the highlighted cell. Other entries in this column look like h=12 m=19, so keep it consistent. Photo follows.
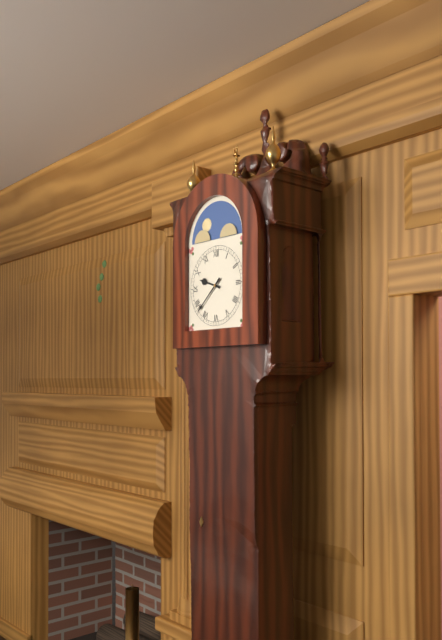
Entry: h=9 m=38
